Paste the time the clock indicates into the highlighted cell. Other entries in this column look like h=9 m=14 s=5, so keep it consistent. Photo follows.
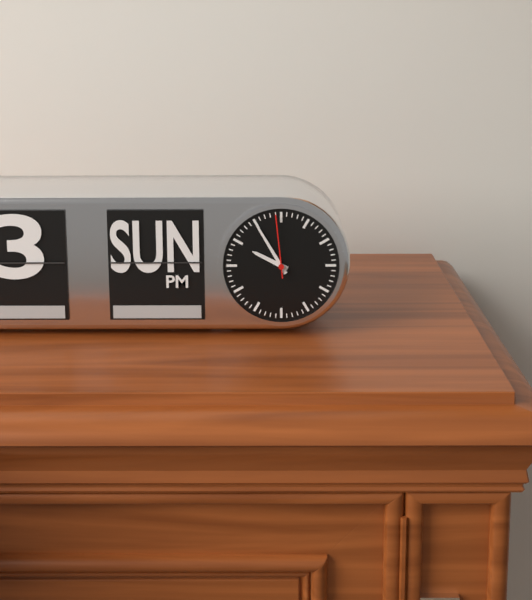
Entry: h=9 m=55 s=59
